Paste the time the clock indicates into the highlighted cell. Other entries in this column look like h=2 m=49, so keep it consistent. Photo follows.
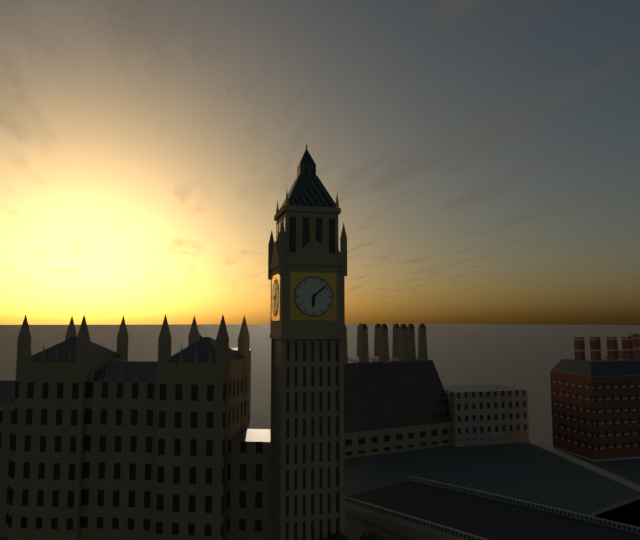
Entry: h=6 m=8
